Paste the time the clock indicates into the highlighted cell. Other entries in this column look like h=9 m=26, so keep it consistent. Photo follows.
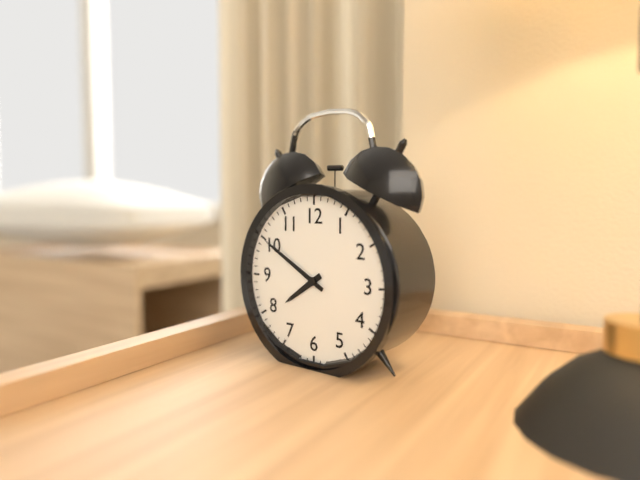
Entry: h=7 m=50
